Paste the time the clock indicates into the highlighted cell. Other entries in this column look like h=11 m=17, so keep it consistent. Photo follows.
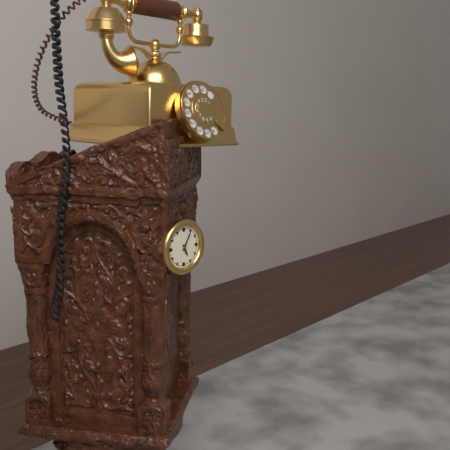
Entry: h=5 m=5
